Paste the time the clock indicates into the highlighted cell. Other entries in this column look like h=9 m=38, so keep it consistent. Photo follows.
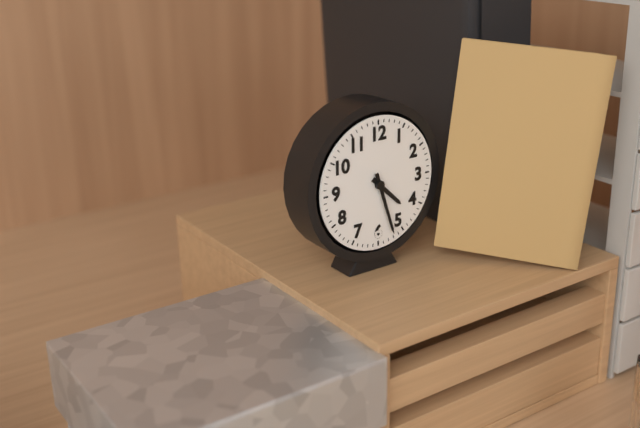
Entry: h=4 m=27
